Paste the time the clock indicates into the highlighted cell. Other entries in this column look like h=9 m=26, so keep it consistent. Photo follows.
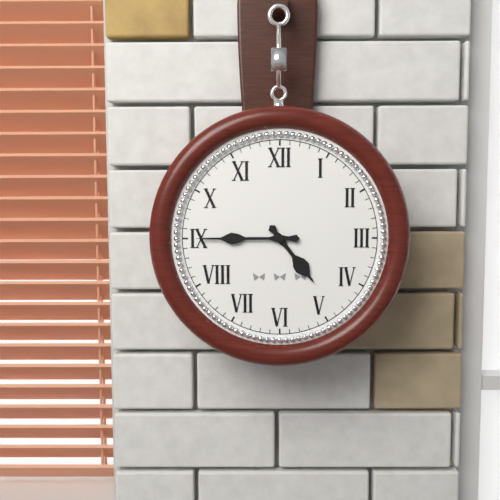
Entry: h=4 m=45
